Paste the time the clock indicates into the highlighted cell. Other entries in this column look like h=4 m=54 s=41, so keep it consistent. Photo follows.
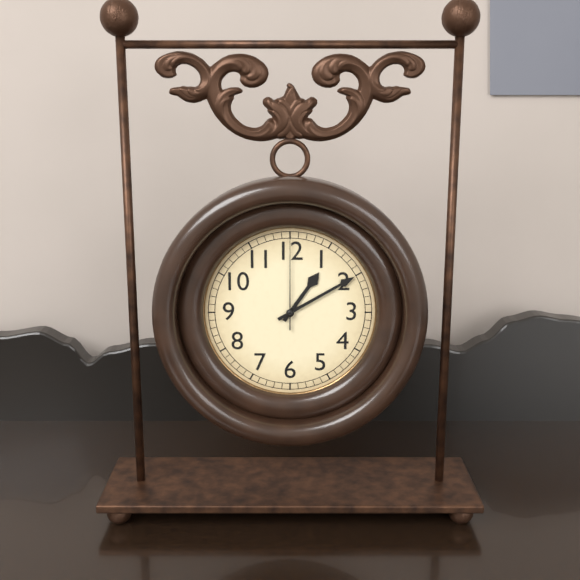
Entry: h=1 m=10 s=0
